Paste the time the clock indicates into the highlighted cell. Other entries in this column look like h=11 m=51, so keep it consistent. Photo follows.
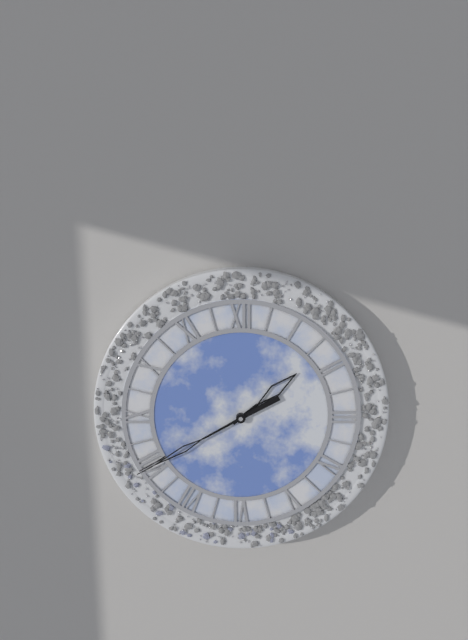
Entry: h=1 m=40
